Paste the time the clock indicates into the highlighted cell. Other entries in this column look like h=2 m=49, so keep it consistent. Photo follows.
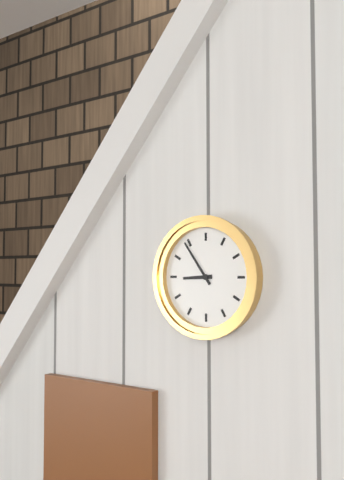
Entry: h=8 m=54
